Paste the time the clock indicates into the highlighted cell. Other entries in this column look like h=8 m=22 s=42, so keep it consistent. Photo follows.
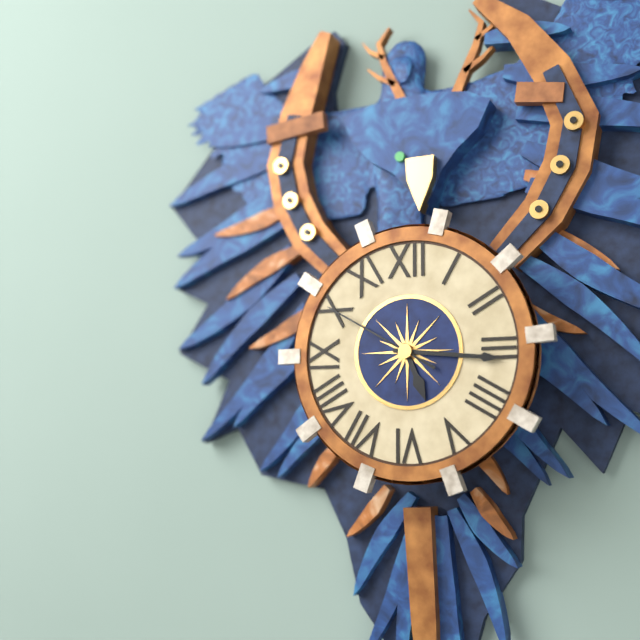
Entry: h=5 m=16 s=50
